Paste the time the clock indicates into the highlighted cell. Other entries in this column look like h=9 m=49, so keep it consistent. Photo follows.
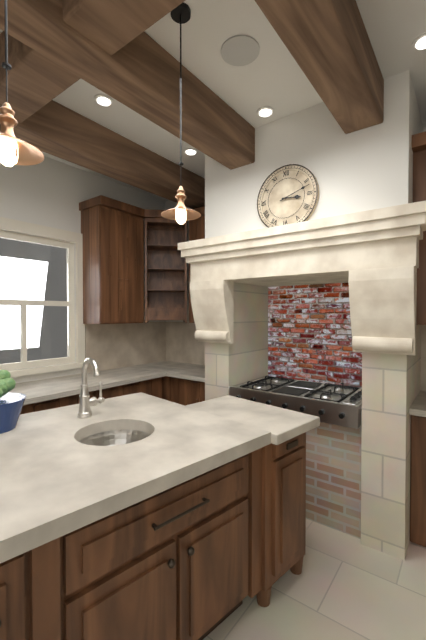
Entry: h=3 m=12
